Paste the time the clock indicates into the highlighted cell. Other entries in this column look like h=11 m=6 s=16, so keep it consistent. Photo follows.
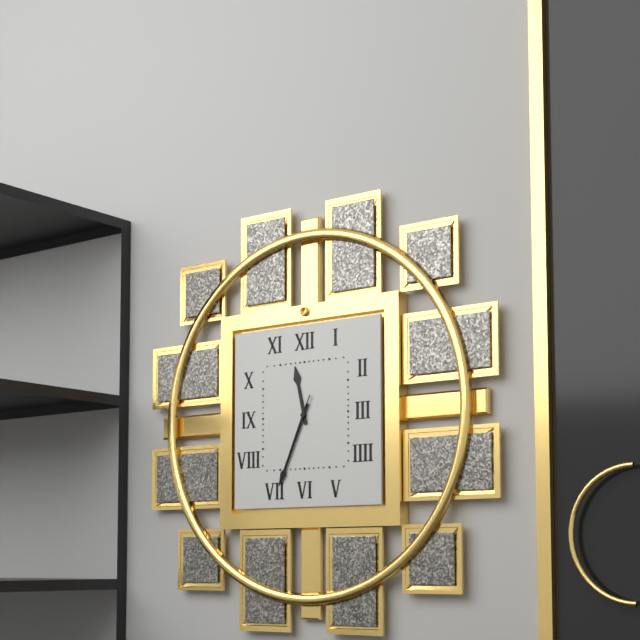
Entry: h=11 m=34 s=34
